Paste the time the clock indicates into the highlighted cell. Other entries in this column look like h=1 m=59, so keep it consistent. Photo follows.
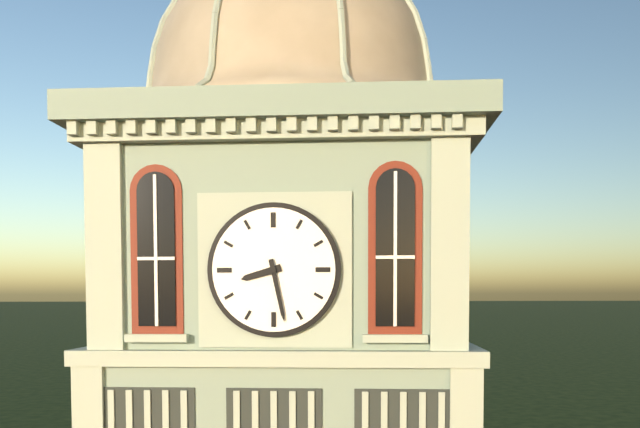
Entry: h=8 m=28
